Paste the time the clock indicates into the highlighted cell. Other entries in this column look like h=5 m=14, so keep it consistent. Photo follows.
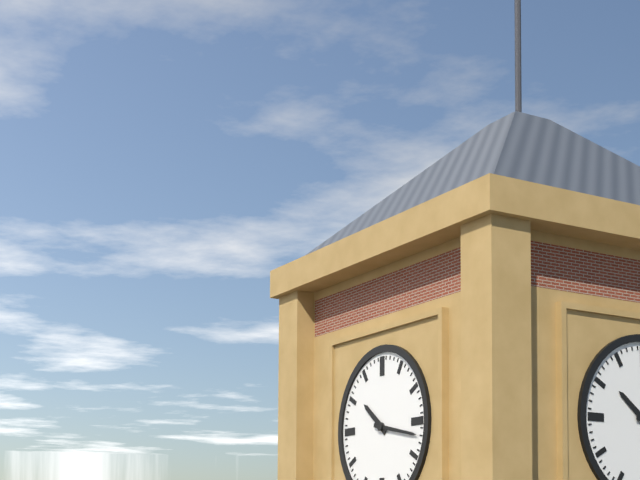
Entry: h=10 m=17
